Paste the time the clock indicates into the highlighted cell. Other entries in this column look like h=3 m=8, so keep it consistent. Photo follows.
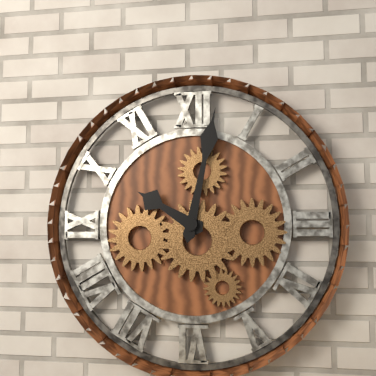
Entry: h=10 m=2
